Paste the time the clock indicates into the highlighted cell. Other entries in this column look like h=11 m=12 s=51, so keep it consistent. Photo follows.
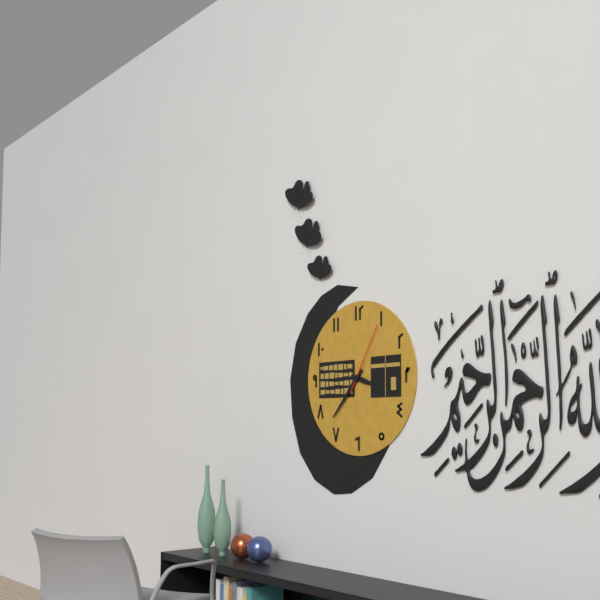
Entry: h=3 m=37 s=5
